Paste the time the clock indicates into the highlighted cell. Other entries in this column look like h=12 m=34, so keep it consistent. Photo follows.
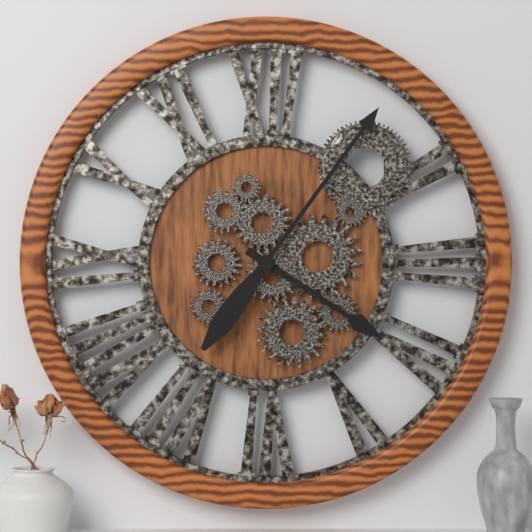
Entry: h=4 m=6
